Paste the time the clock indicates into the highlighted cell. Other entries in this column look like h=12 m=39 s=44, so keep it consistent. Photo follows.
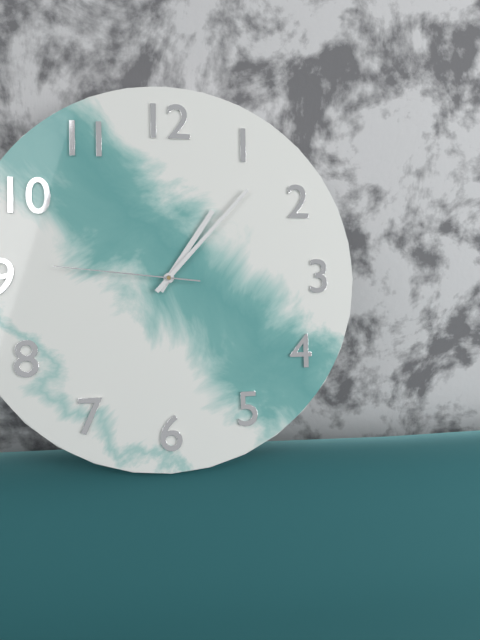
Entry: h=1 m=7 s=46
